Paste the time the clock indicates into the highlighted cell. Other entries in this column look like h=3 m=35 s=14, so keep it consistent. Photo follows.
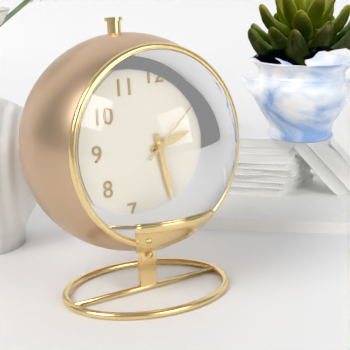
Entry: h=2 m=28 s=8
